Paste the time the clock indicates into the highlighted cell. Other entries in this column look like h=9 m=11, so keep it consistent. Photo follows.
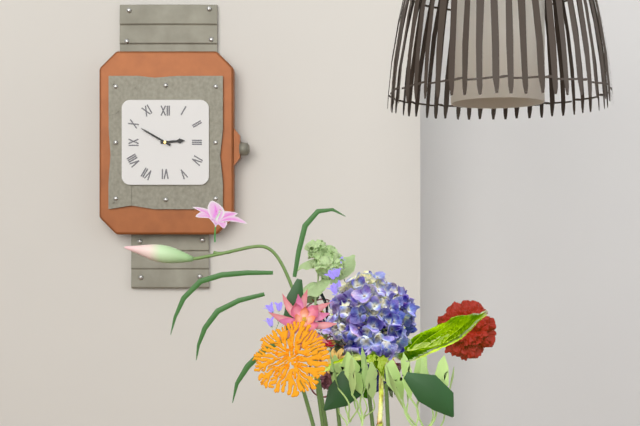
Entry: h=2 m=50
